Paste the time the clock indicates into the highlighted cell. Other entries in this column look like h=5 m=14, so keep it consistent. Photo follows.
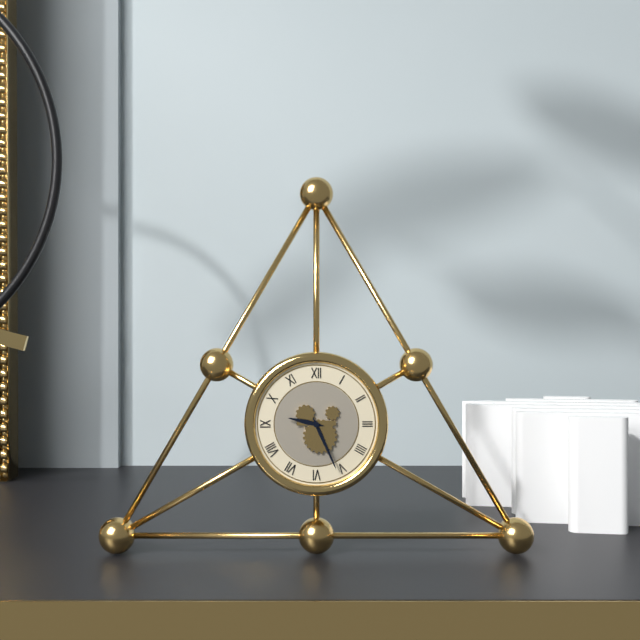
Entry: h=9 m=26
